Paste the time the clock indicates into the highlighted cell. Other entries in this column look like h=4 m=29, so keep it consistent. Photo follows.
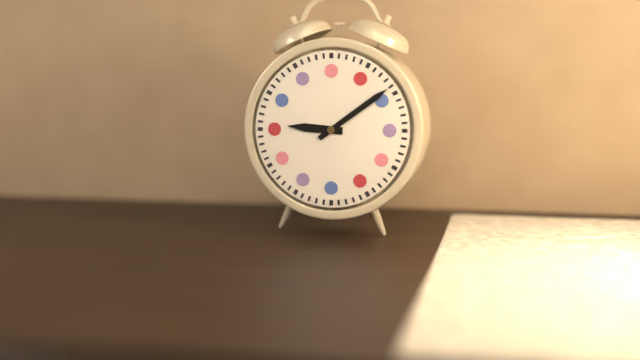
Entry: h=9 m=9
